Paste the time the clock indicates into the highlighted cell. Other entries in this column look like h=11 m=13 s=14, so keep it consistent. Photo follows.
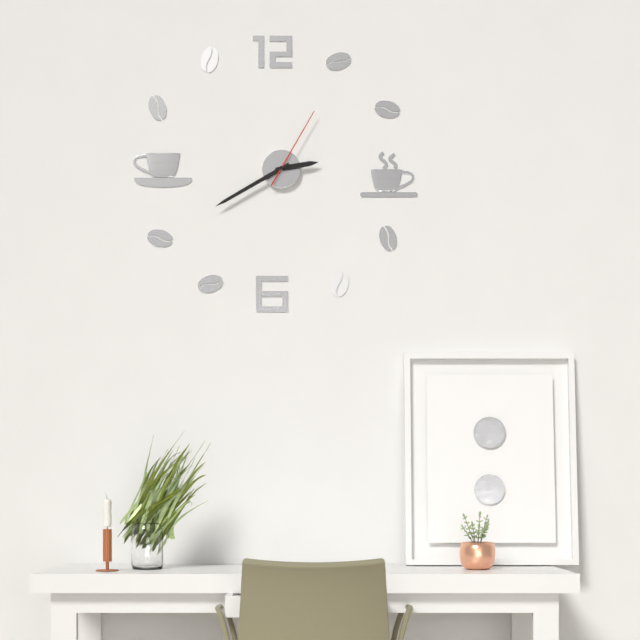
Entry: h=2 m=40 s=5
